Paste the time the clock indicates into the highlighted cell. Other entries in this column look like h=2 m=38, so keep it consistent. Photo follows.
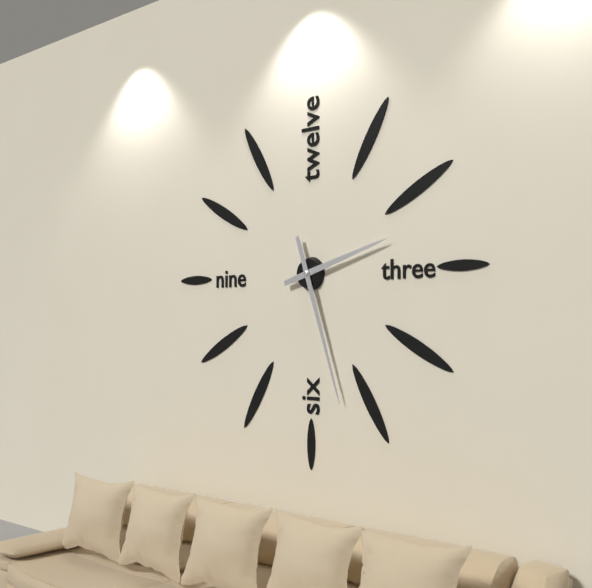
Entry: h=2 m=27
